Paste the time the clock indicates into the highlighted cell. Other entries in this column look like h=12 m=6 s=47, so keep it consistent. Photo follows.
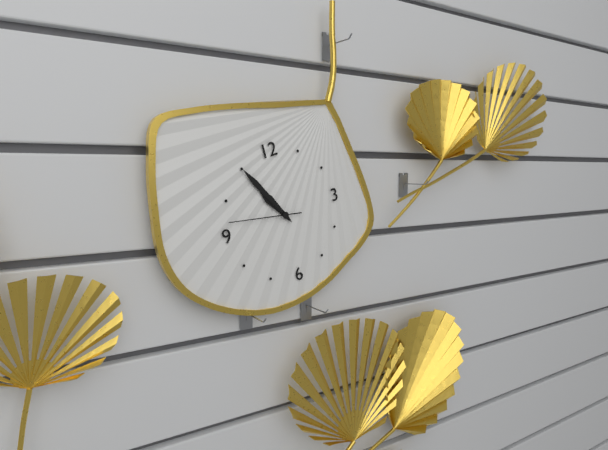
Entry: h=10 m=55 s=47
